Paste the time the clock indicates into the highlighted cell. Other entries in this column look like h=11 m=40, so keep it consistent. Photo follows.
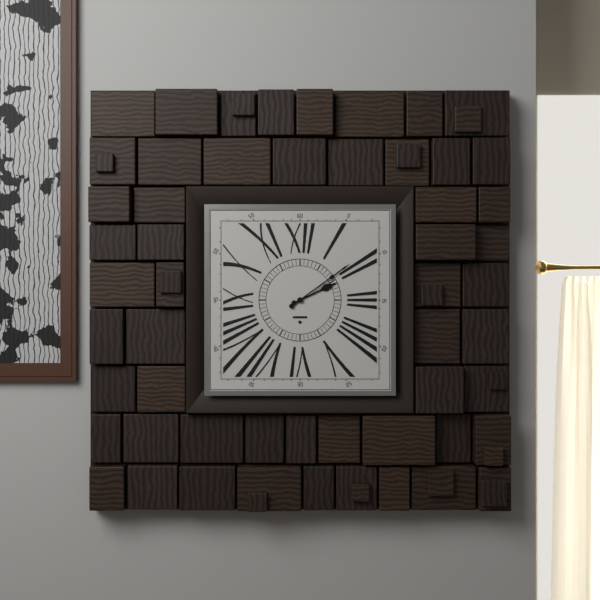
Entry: h=2 m=9
